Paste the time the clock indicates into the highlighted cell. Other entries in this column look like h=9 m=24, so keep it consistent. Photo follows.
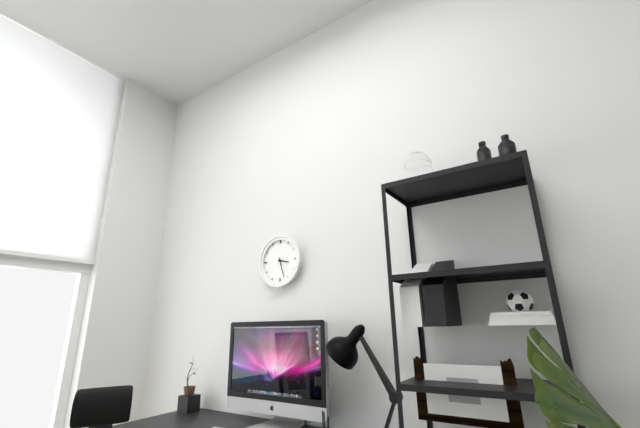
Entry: h=3 m=27
